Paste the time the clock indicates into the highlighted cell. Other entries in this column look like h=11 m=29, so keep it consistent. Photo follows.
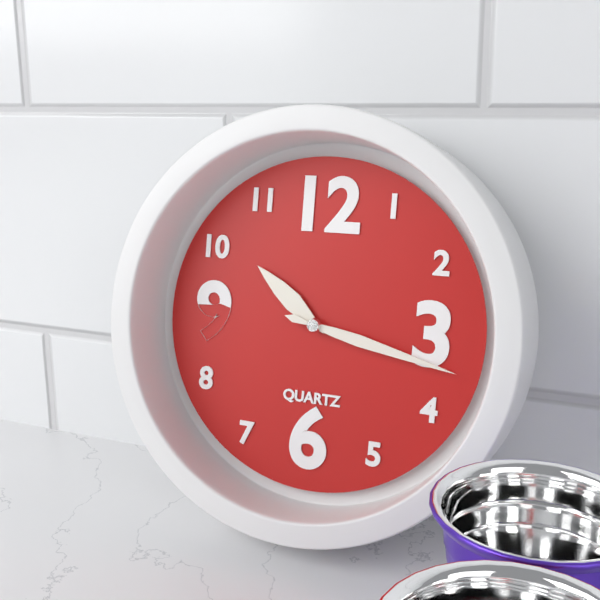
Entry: h=10 m=17
